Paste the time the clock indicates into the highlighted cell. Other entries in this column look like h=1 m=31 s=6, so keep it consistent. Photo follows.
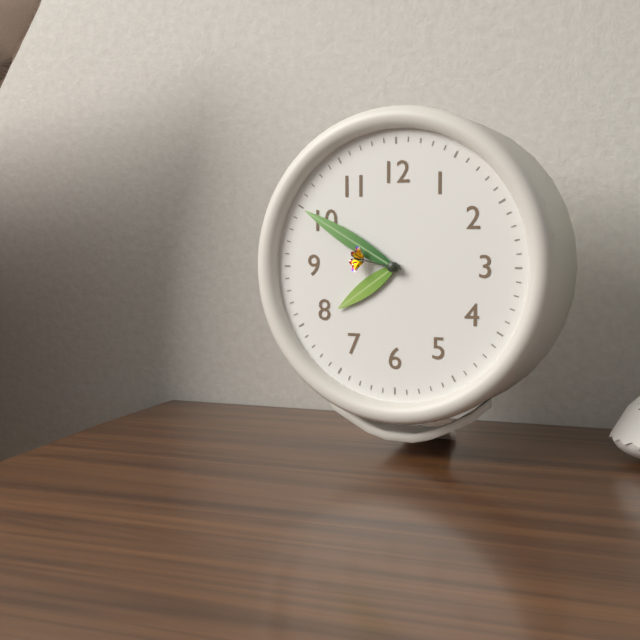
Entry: h=7 m=50 s=47
